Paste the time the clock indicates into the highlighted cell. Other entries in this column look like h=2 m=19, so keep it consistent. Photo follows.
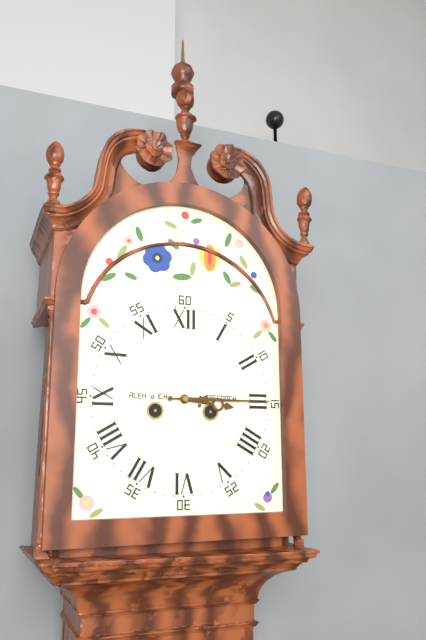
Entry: h=3 m=15
